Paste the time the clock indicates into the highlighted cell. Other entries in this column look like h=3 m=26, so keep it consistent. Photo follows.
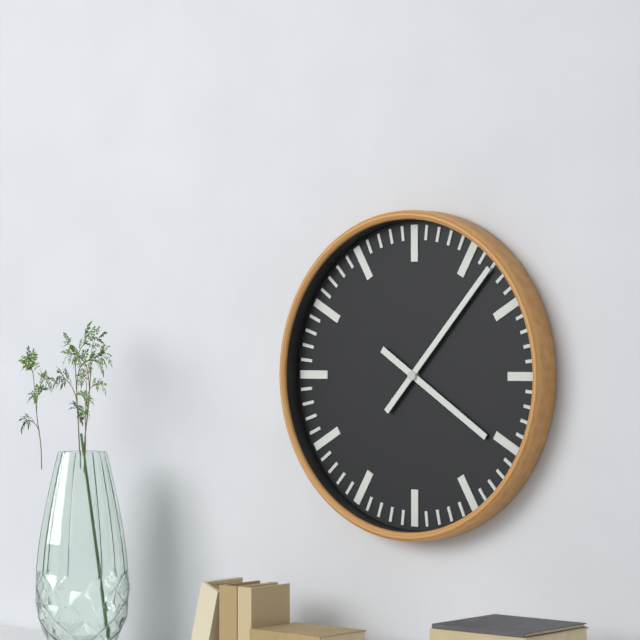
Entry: h=4 m=7
